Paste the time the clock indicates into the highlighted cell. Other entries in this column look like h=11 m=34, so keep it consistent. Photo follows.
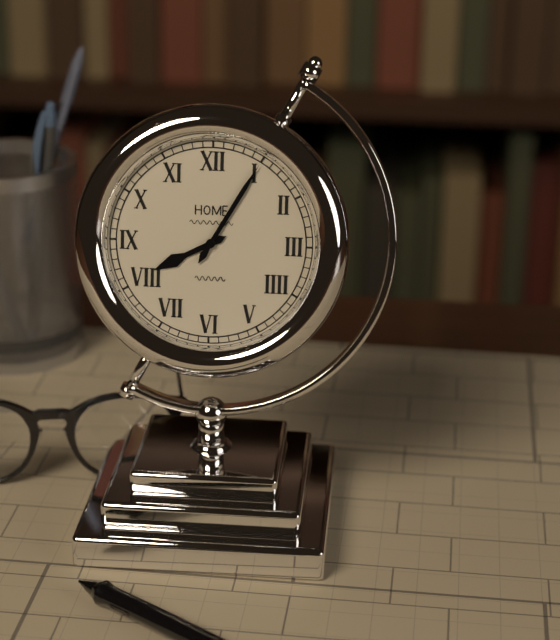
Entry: h=8 m=5
